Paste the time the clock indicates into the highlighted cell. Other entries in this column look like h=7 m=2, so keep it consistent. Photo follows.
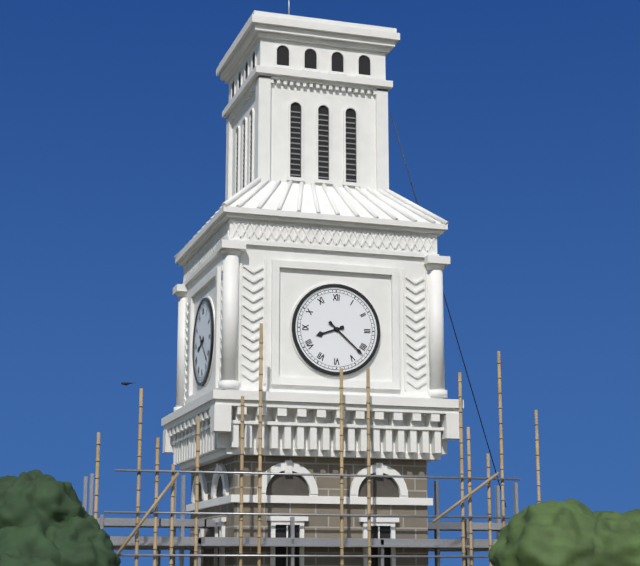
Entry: h=8 m=22
